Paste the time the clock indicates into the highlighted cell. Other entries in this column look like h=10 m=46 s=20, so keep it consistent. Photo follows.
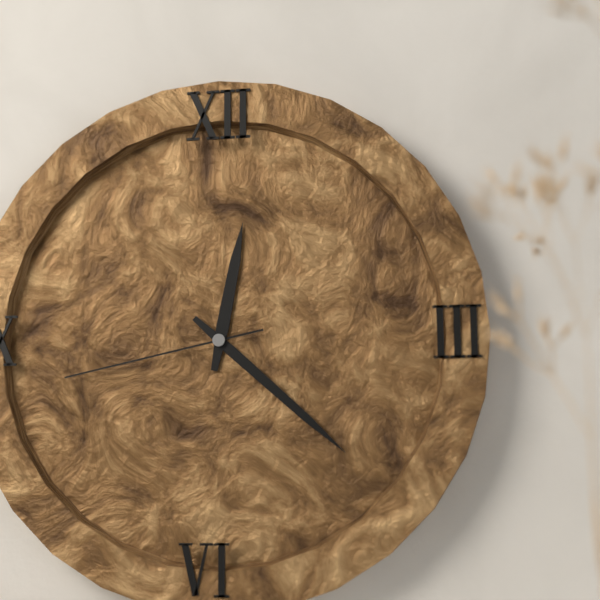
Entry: h=12 m=22 s=43
